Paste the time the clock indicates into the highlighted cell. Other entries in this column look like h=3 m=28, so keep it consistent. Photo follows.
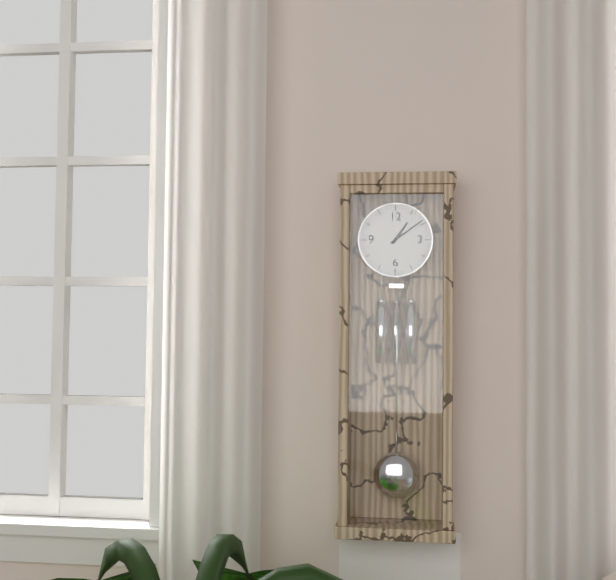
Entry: h=1 m=9
